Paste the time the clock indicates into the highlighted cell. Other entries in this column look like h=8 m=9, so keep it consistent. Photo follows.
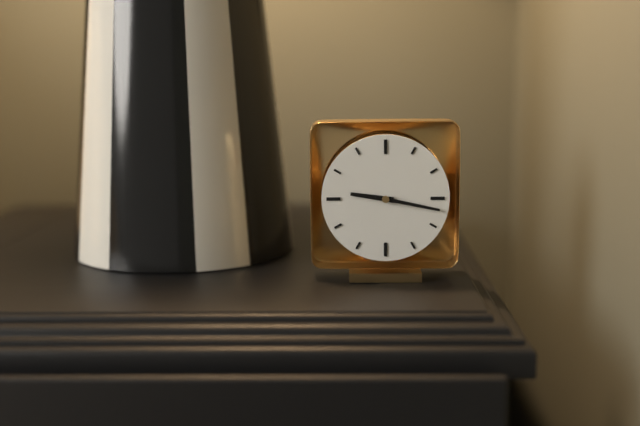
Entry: h=9 m=17
